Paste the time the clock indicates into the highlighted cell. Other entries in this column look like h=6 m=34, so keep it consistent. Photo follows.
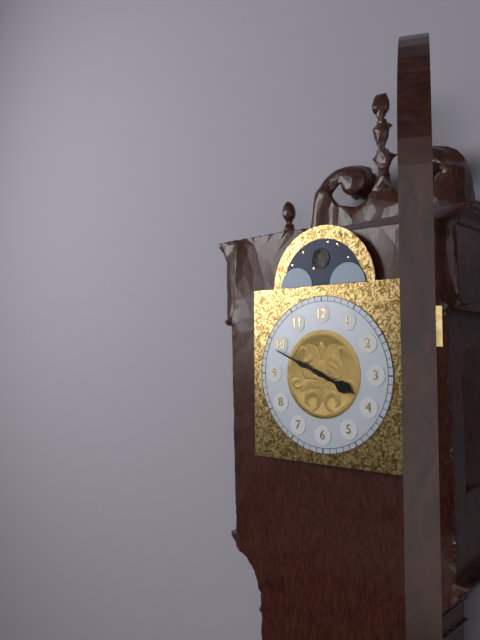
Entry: h=3 m=49
